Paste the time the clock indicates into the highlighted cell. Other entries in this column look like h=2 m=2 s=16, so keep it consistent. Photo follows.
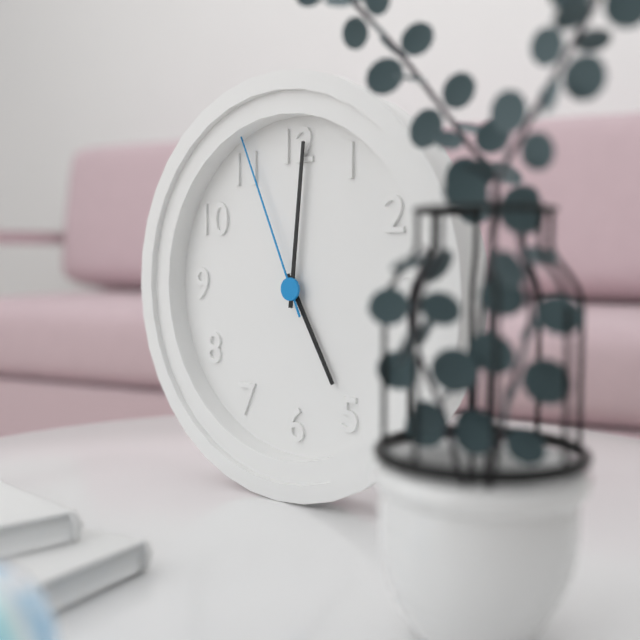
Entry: h=5 m=1 s=56
